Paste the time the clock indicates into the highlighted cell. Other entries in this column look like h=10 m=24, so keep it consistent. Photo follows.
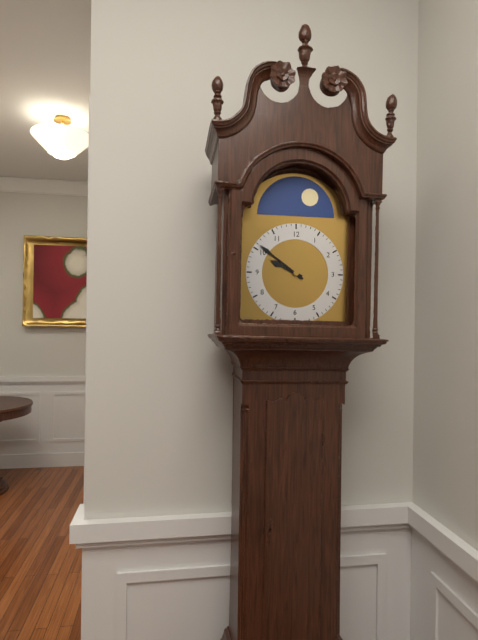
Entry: h=9 m=51
